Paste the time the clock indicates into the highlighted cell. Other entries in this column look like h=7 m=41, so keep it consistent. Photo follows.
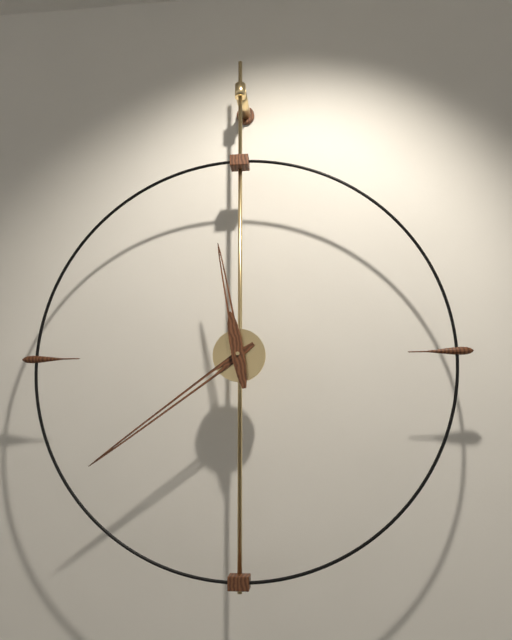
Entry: h=11 m=39
